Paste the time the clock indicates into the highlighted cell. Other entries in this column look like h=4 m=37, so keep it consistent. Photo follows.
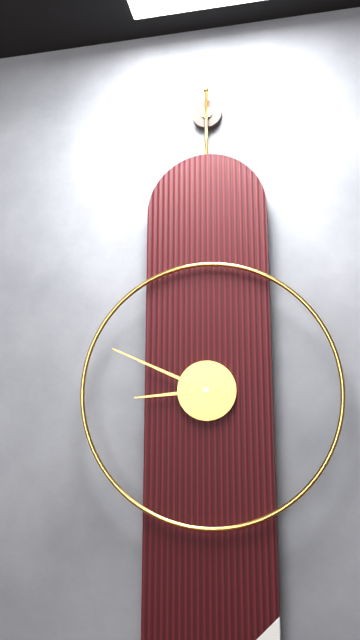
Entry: h=8 m=49
